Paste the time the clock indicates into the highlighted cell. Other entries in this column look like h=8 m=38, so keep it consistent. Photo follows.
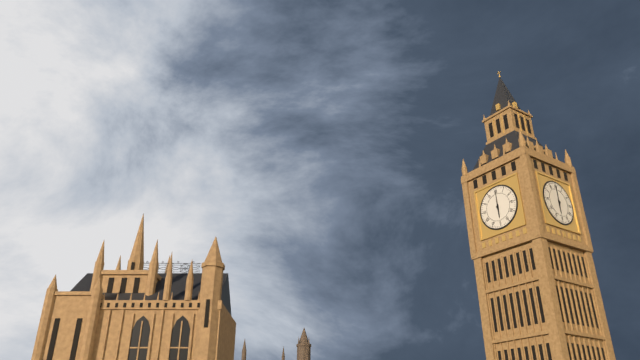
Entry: h=6 m=0
